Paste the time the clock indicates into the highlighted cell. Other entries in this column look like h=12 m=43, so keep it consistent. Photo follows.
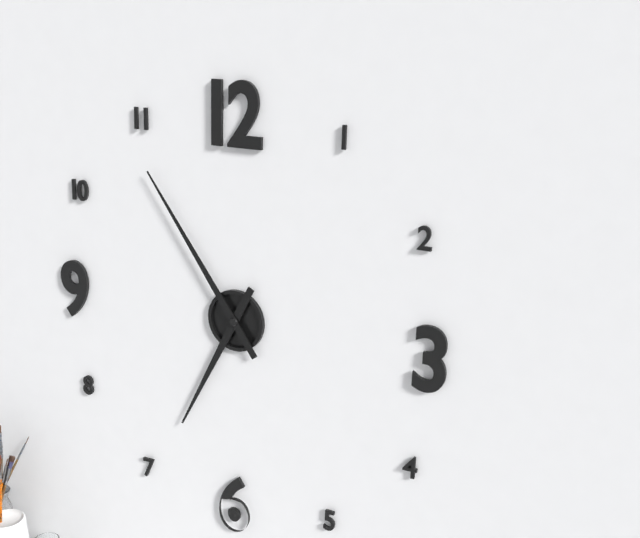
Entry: h=6 m=54
